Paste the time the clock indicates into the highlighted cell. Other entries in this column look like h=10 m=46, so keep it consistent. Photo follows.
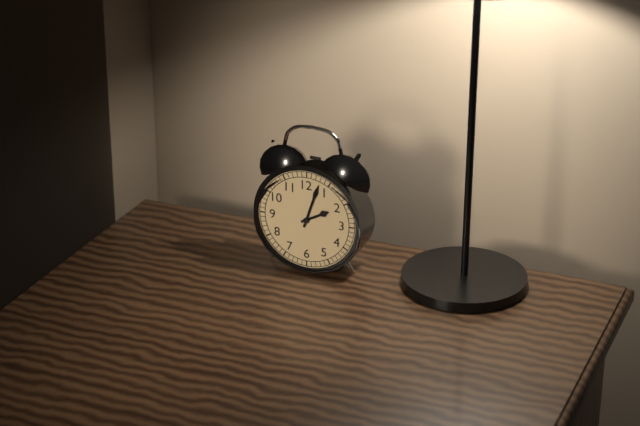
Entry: h=2 m=3
